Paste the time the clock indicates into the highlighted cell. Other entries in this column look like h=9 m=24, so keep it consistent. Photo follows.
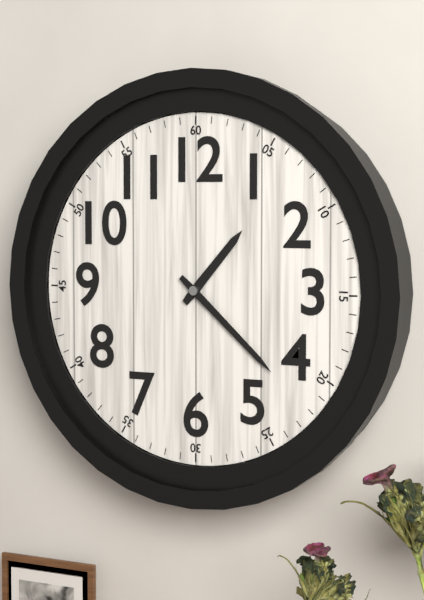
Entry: h=1 m=22
